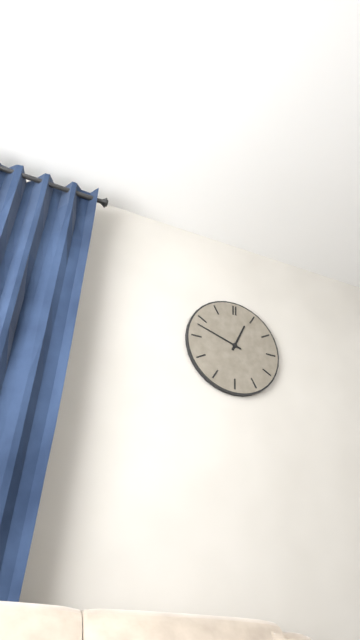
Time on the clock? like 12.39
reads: 12.48
